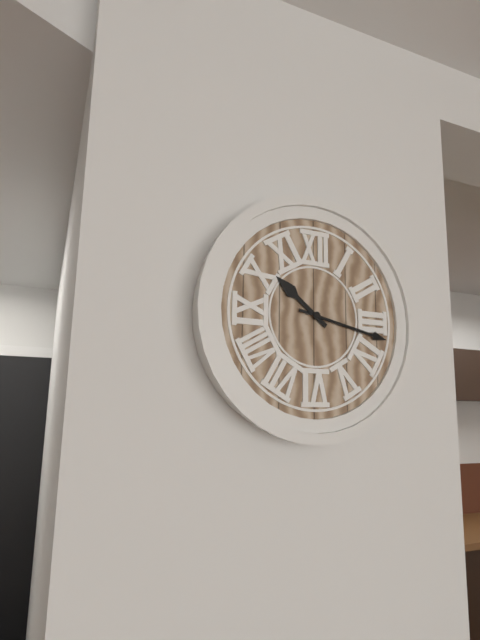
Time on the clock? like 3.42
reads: 10.17
